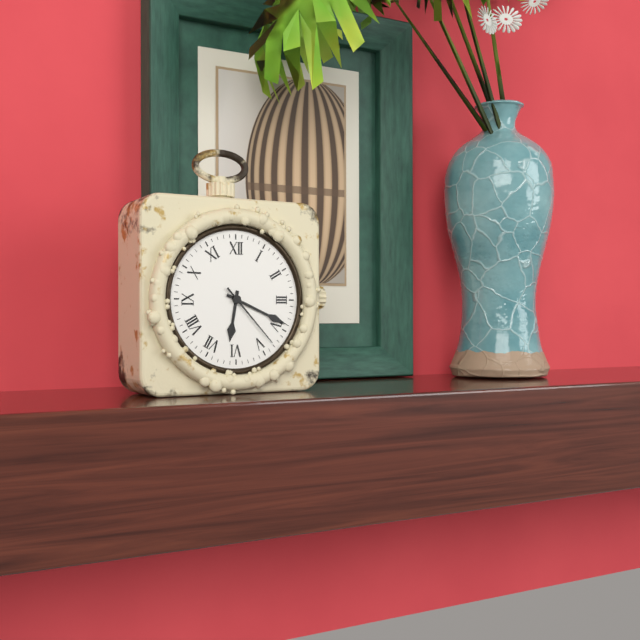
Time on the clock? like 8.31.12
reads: 6.19.23
